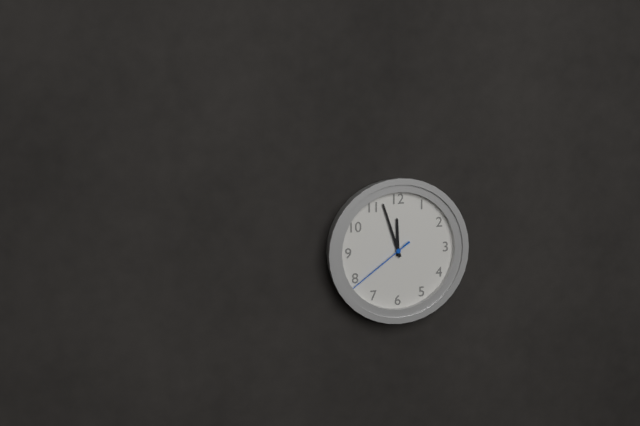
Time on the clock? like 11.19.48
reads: 11.57.39
